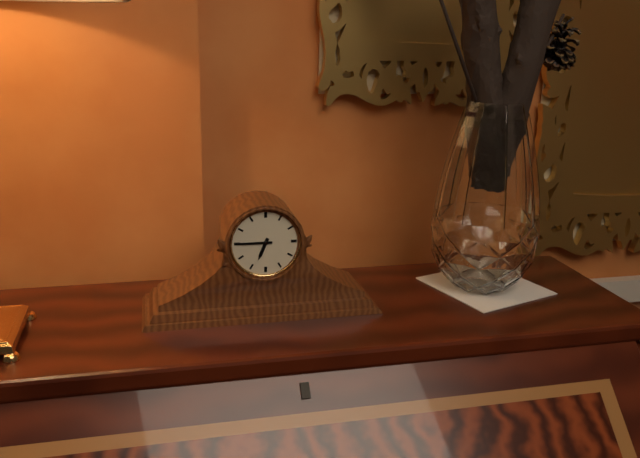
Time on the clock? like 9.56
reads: 6.45
